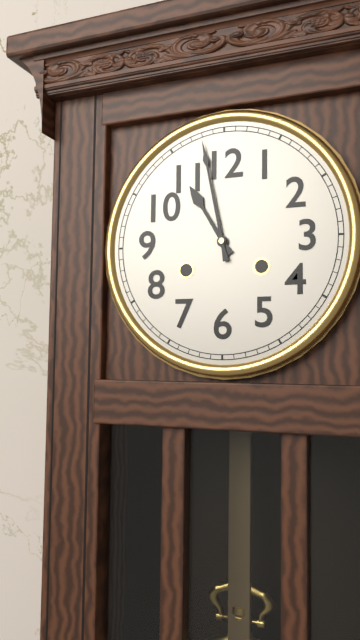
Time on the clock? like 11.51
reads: 10.58
